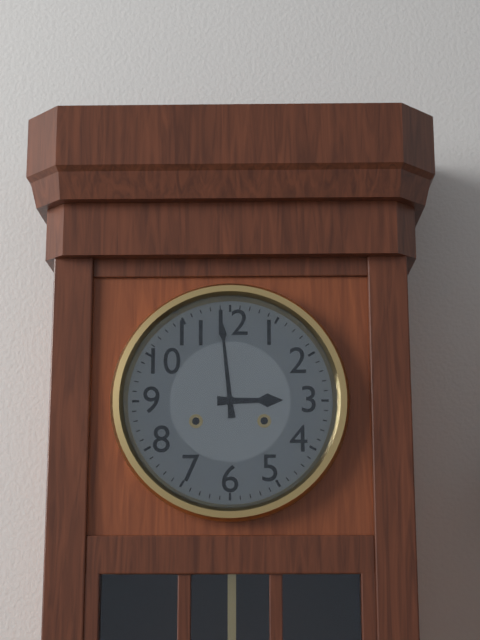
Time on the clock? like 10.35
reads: 2.59
